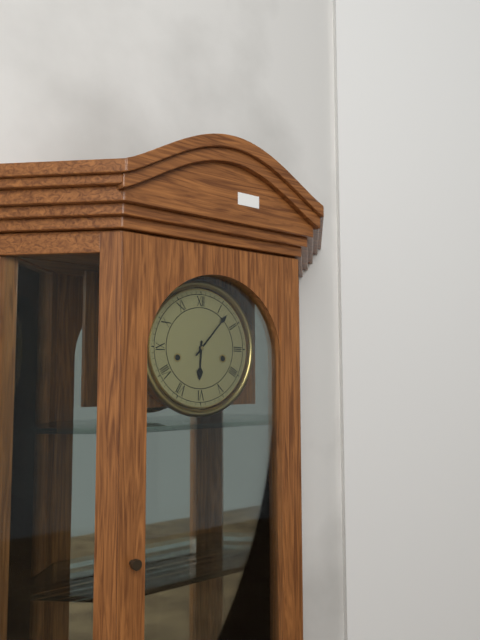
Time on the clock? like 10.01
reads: 6.07
